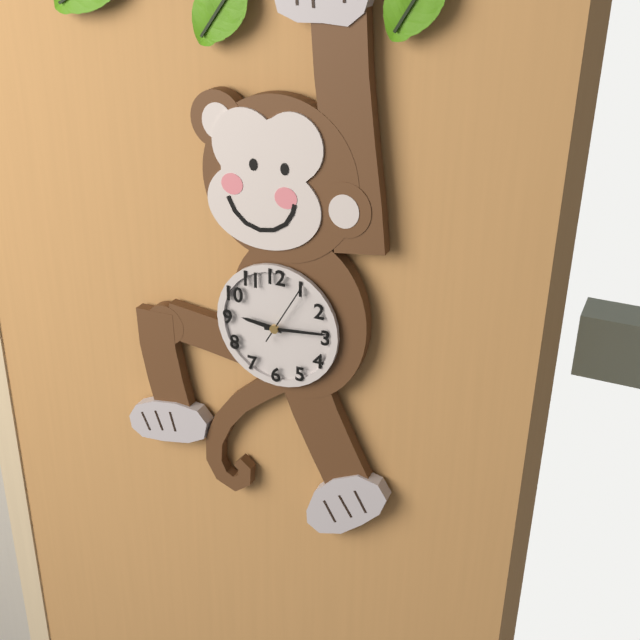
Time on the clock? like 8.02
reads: 9.14
